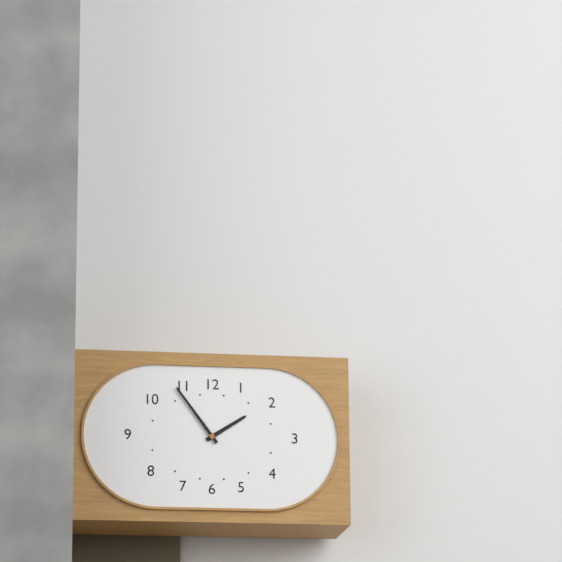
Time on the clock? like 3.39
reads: 1.54
